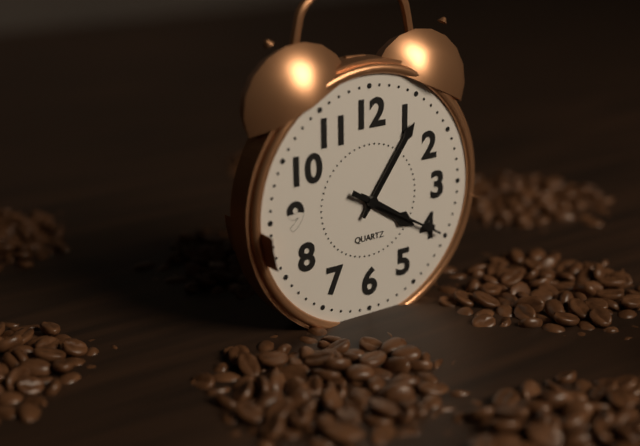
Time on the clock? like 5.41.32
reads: 4.06.20
